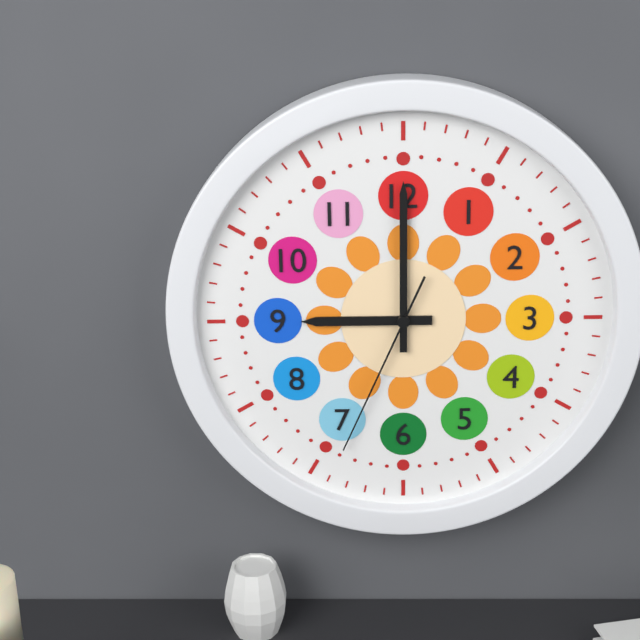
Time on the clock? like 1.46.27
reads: 9.00.34
